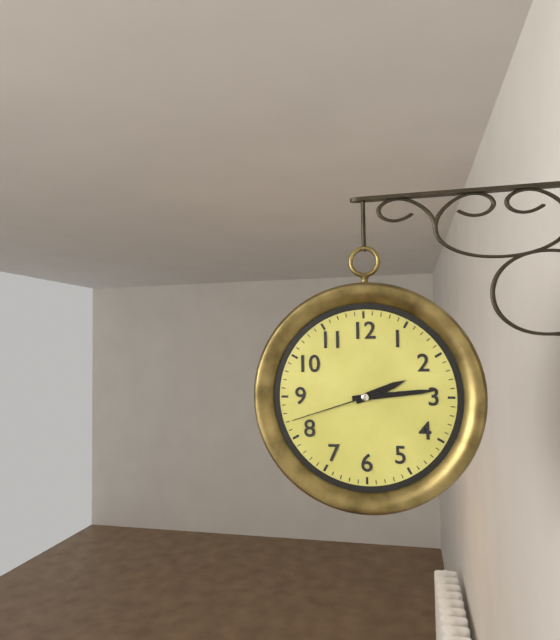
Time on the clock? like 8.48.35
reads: 2.14.42
